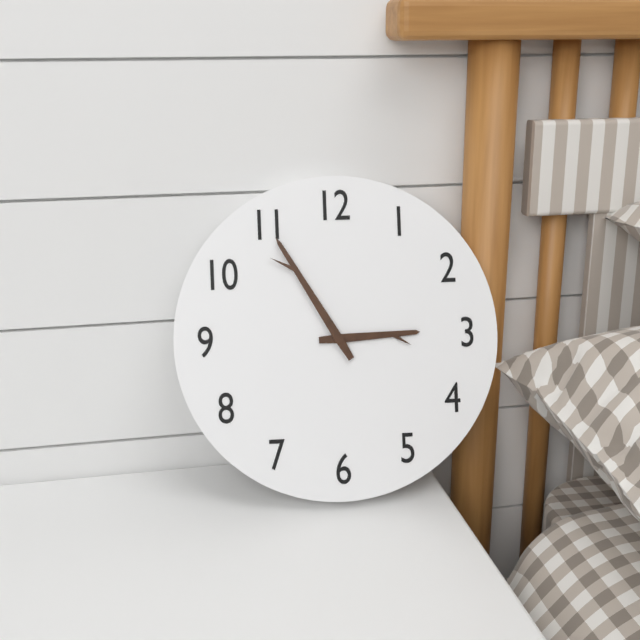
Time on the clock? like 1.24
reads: 2.55
